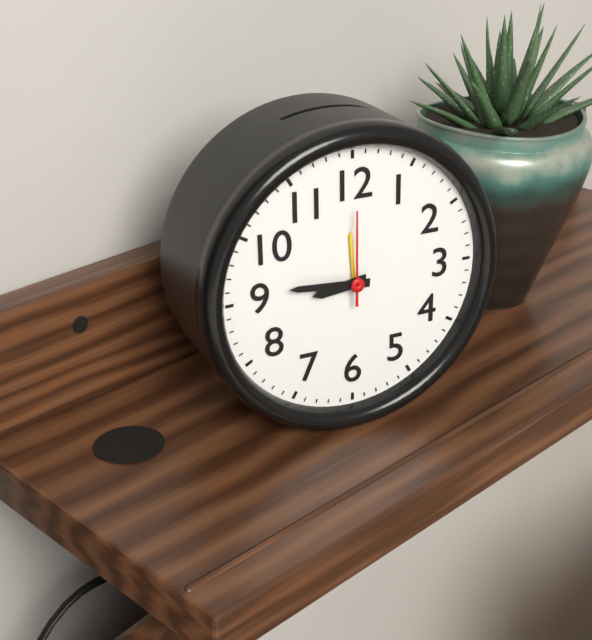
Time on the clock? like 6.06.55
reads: 8.46.00
